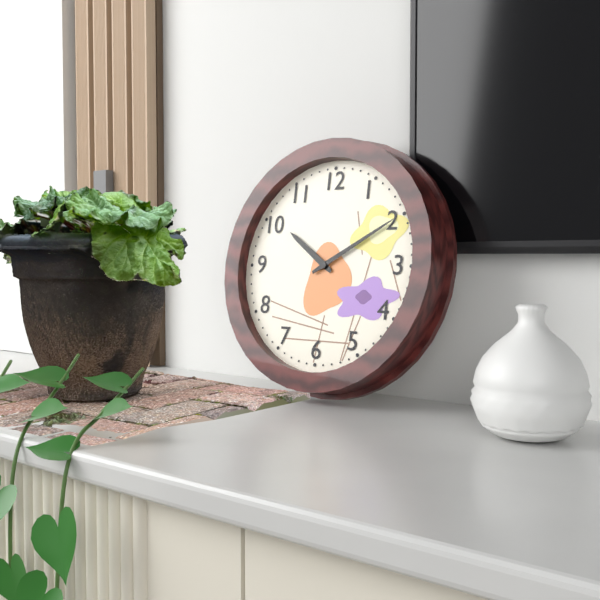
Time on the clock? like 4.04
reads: 10.10
